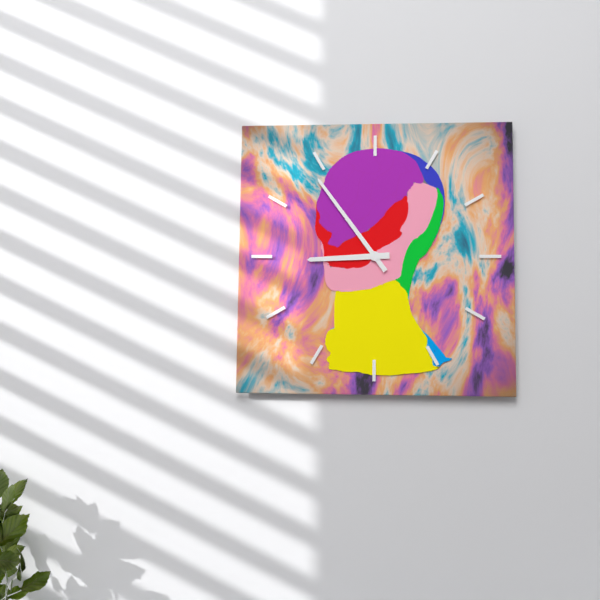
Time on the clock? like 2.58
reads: 8.54
